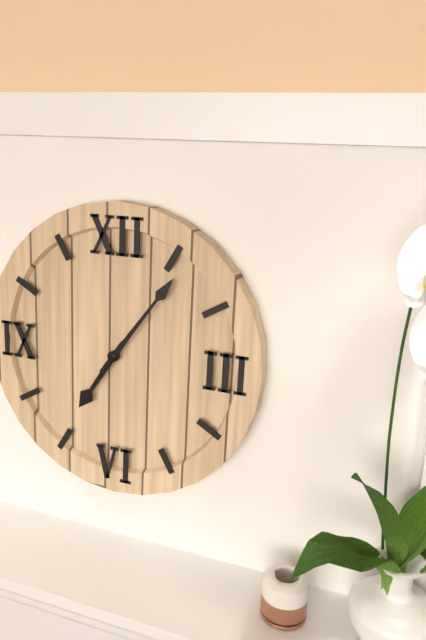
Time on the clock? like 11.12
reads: 7.06
